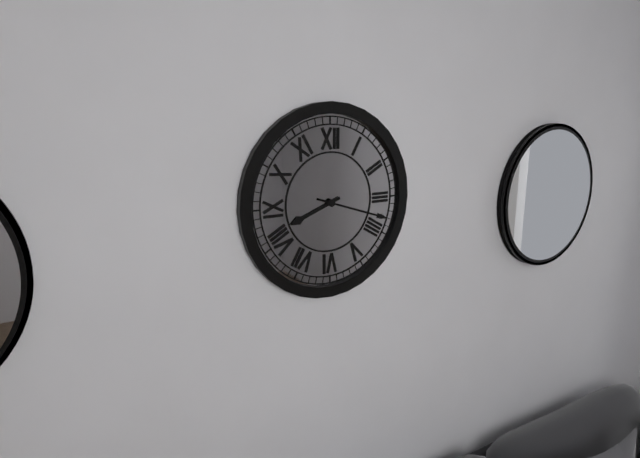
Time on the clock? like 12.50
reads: 8.18
